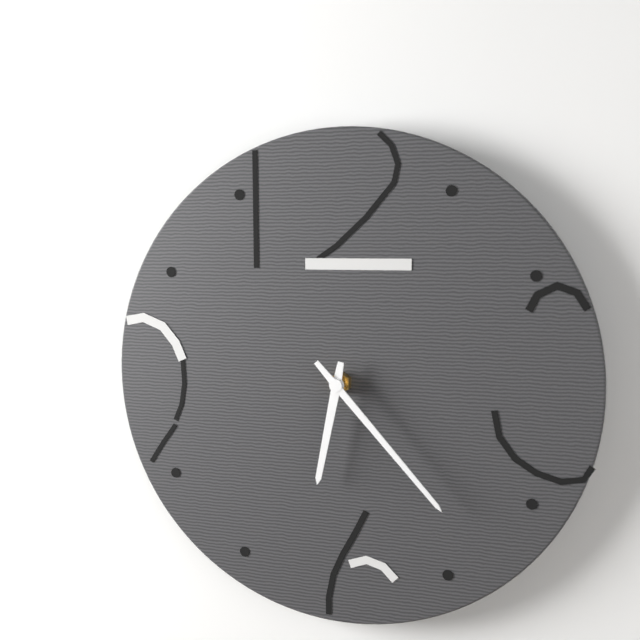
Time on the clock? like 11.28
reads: 6.23
